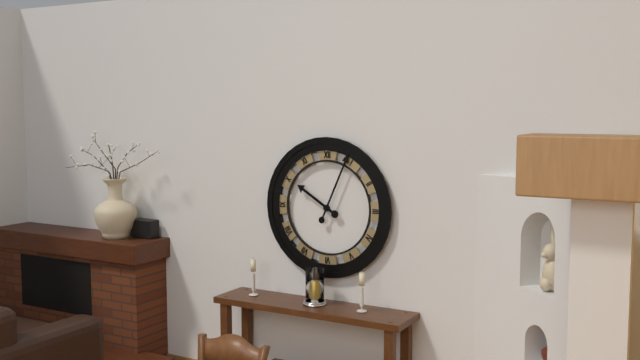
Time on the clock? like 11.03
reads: 10.04
